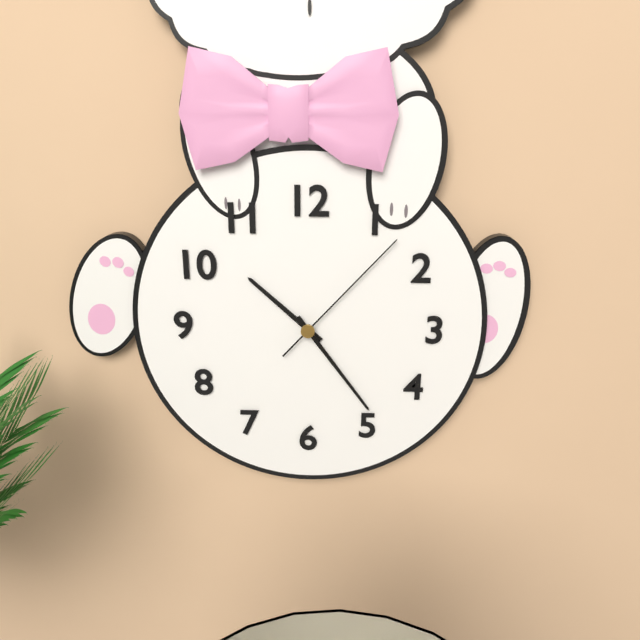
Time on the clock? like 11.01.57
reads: 10.24.07
